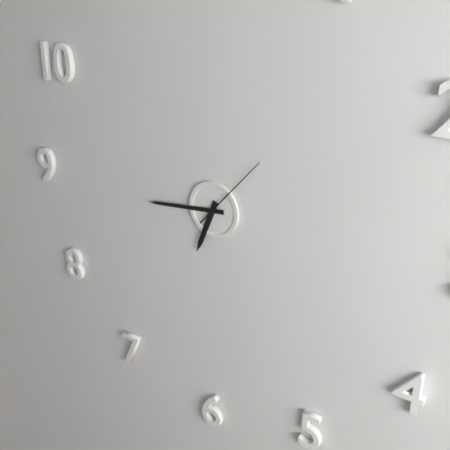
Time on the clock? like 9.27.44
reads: 6.44.07
